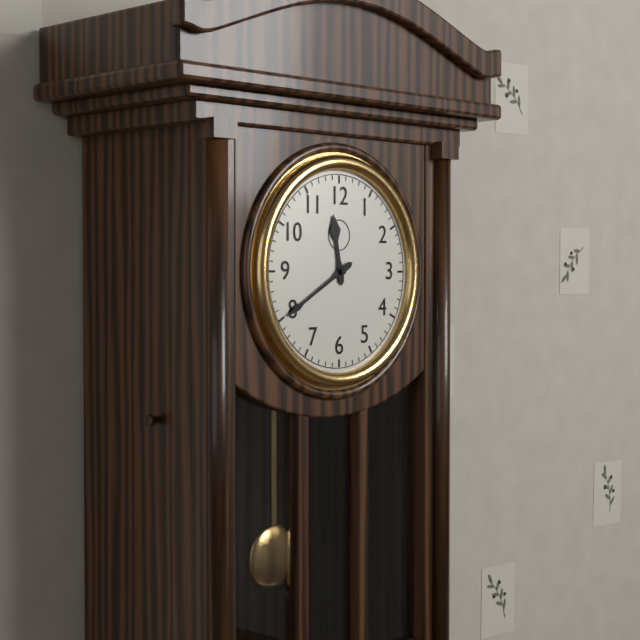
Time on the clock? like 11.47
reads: 11.40
